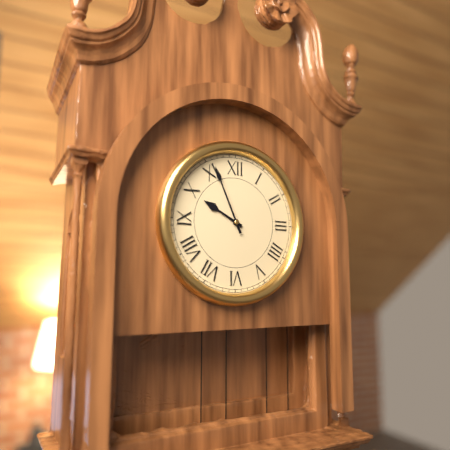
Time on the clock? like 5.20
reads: 9.56
